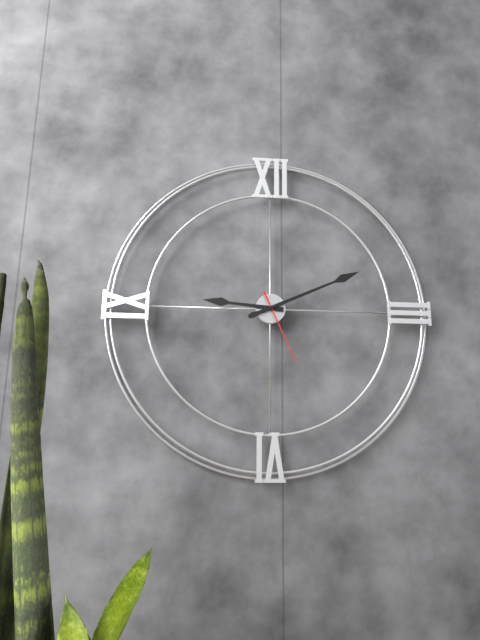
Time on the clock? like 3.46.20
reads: 9.11.26
